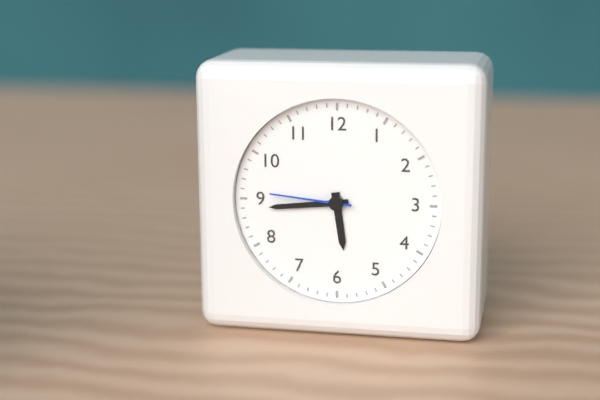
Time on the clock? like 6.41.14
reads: 5.44.46
